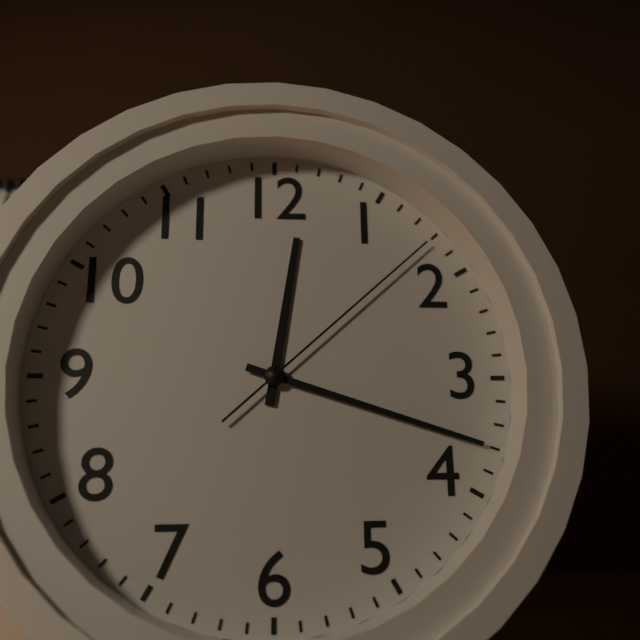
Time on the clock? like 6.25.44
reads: 12.18.08
